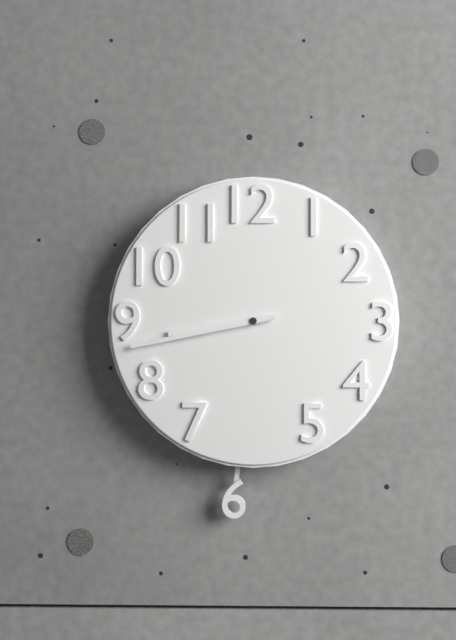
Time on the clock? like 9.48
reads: 8.43
